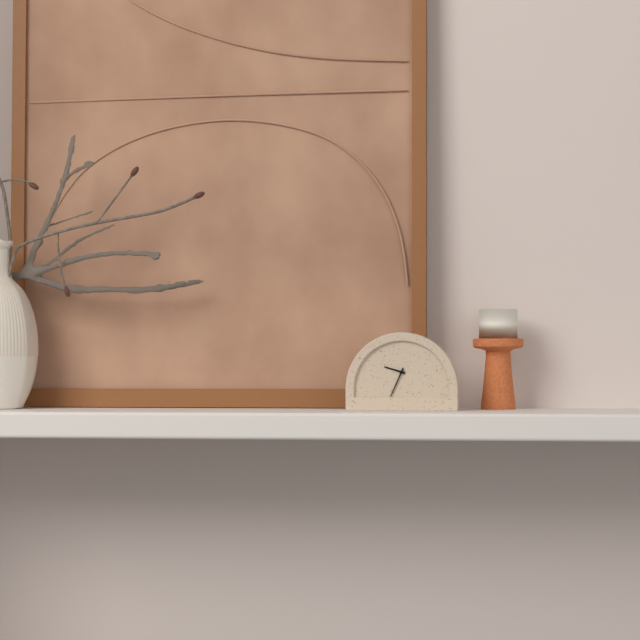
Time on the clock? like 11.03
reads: 9.34
